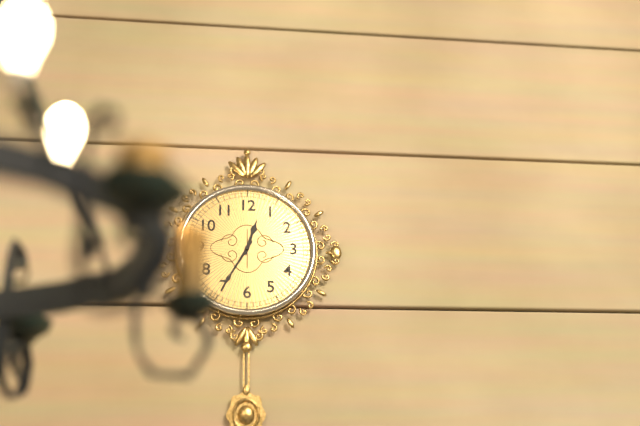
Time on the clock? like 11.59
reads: 12.35
